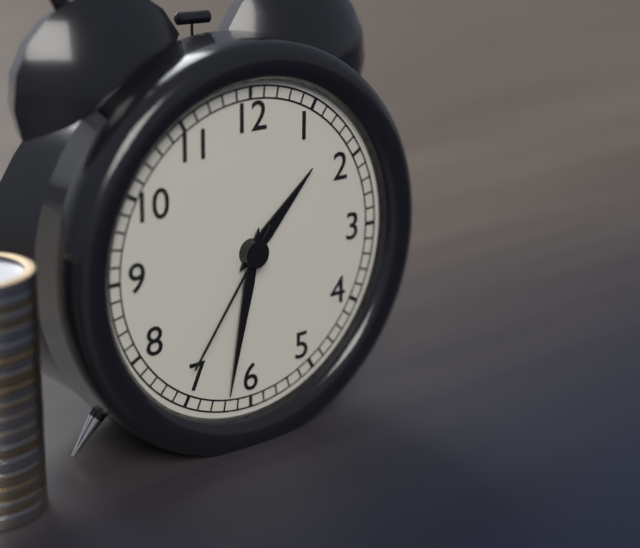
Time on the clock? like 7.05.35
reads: 1.32.36
